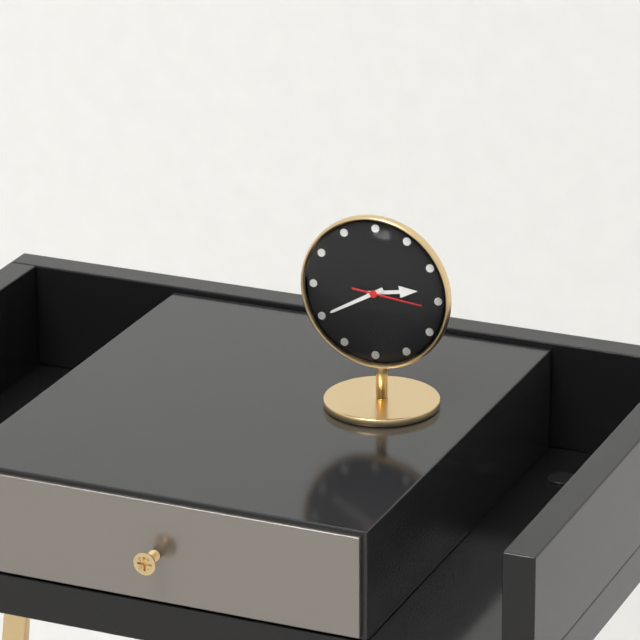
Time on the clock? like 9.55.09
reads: 2.40.16
